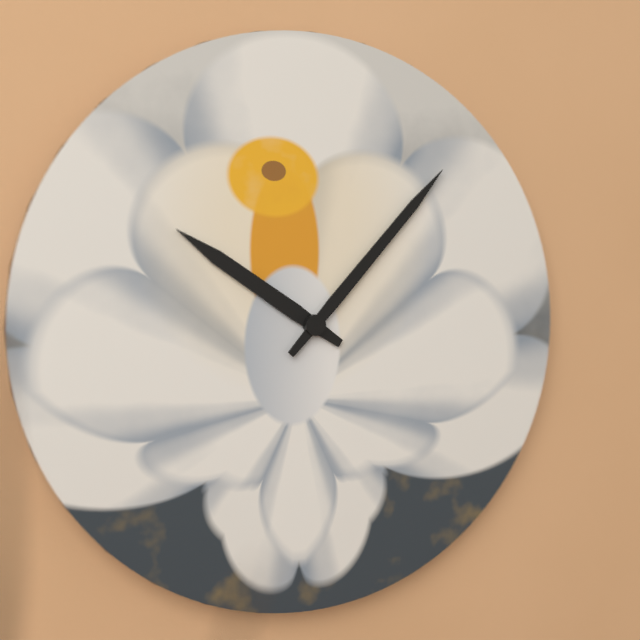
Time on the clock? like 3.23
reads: 10.07
